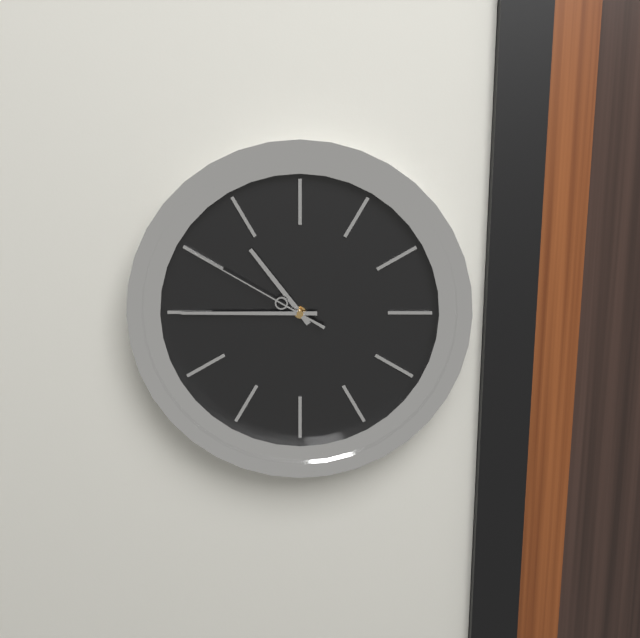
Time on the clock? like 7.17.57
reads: 10.45.50
